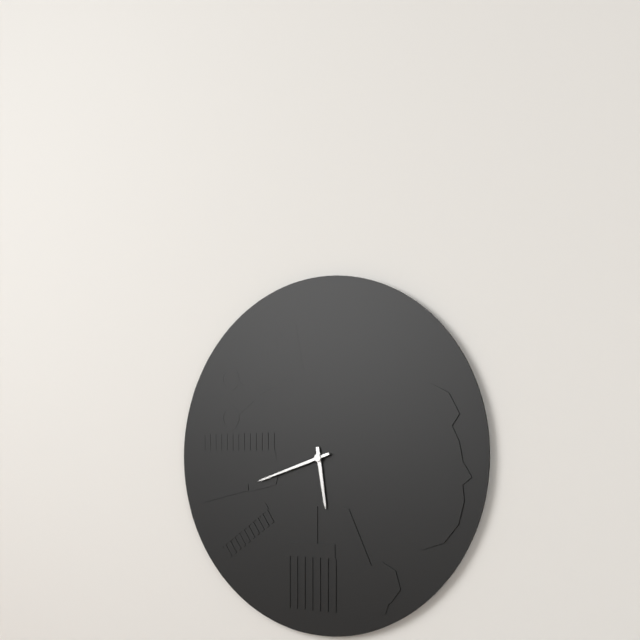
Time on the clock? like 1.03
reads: 5.42
